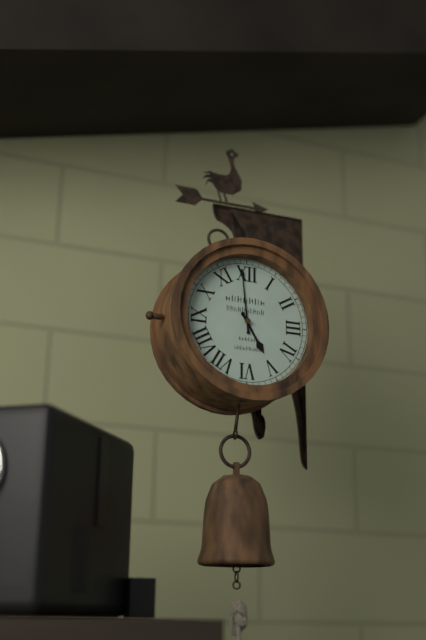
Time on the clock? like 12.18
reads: 4.59
